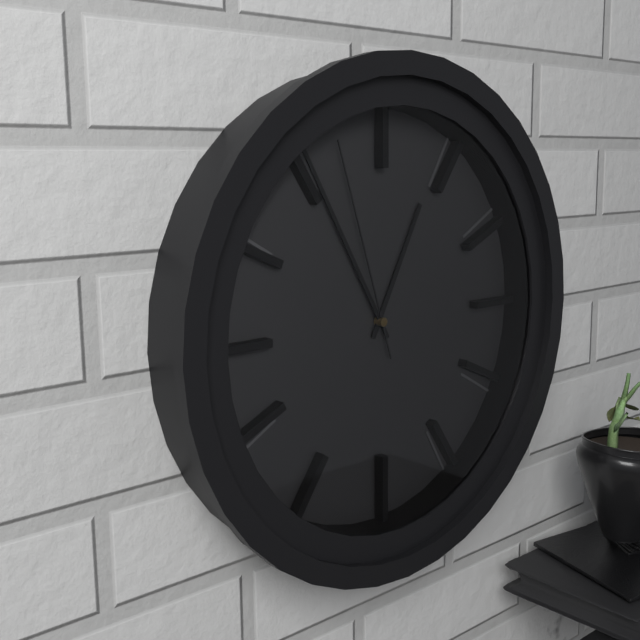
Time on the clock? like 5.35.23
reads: 12.55.57
